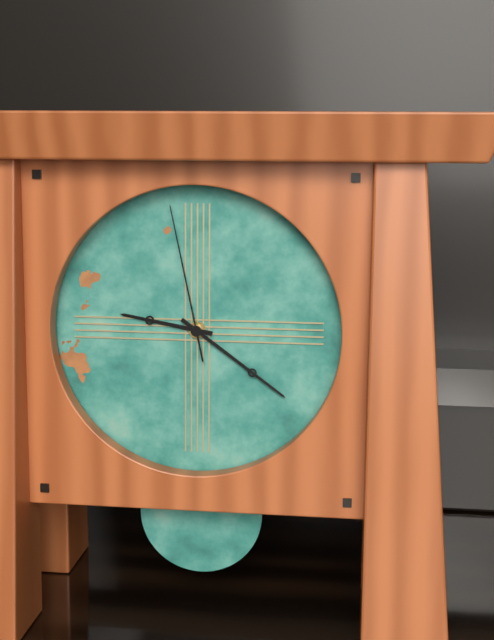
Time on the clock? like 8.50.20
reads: 9.21.58
